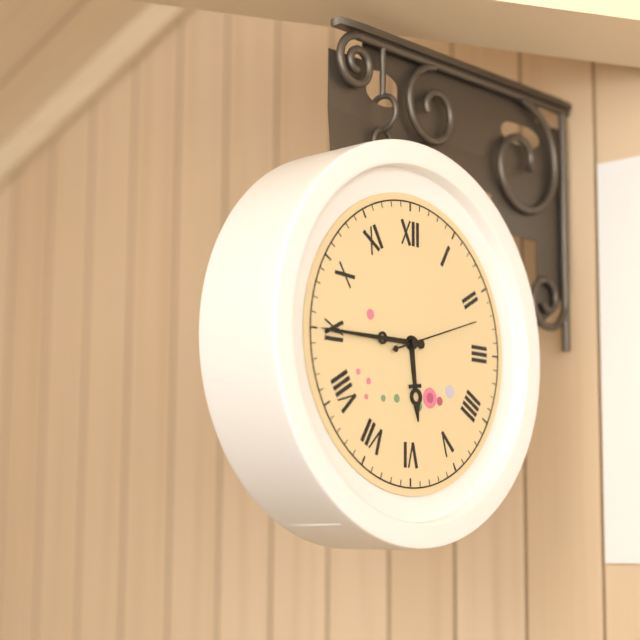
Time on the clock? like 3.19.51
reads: 5.45.12
